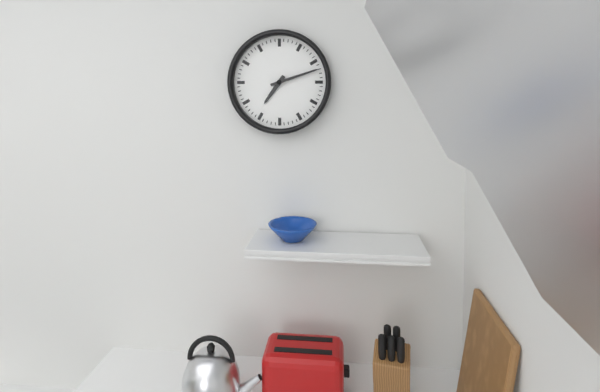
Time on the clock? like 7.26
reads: 7.12
